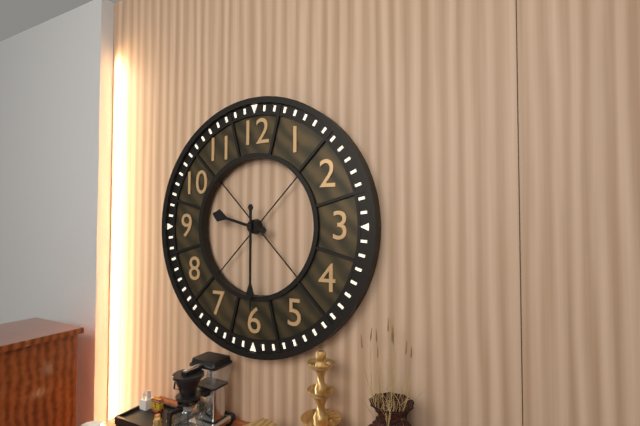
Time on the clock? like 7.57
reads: 9.30
